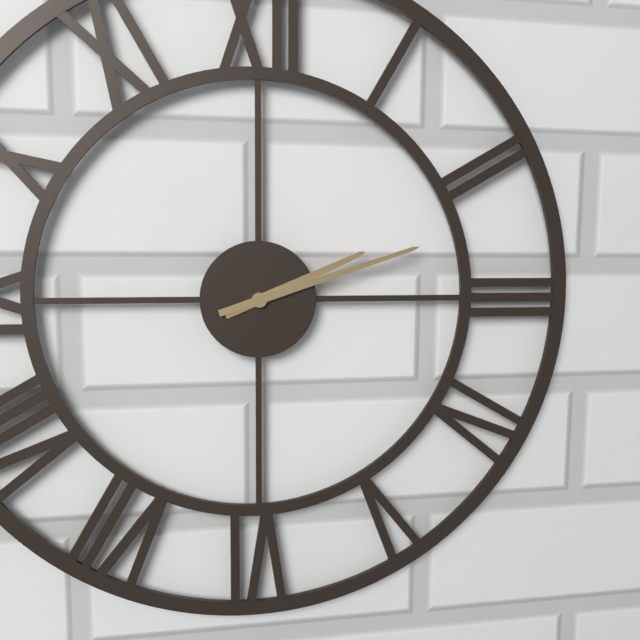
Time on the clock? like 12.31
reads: 2.12
